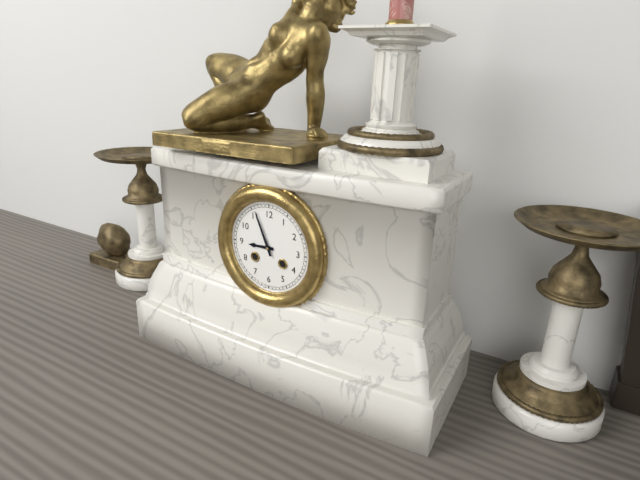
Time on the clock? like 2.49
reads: 8.56
